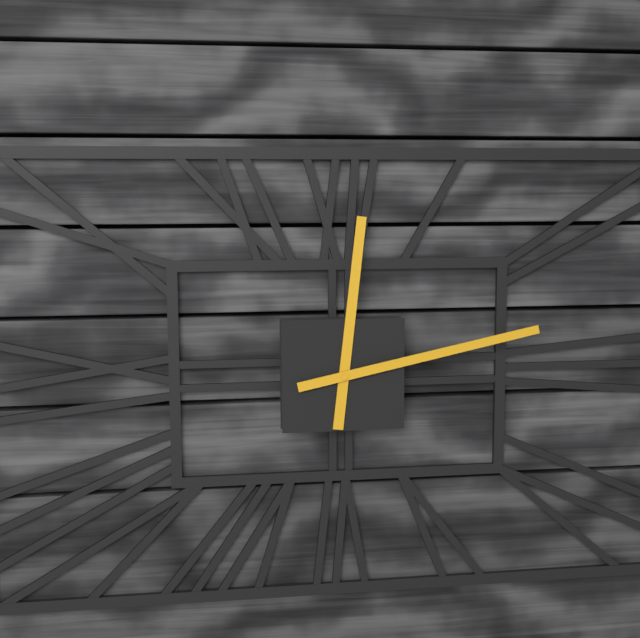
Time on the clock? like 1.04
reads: 12.13
